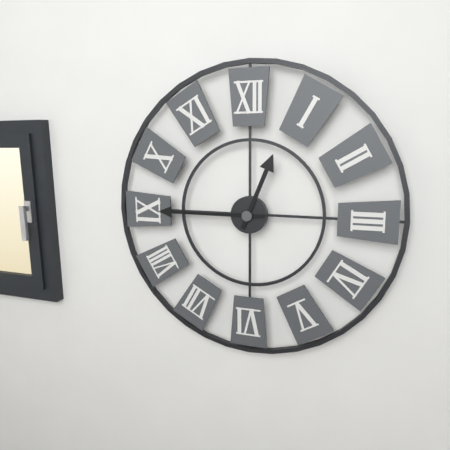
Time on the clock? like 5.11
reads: 12.45
